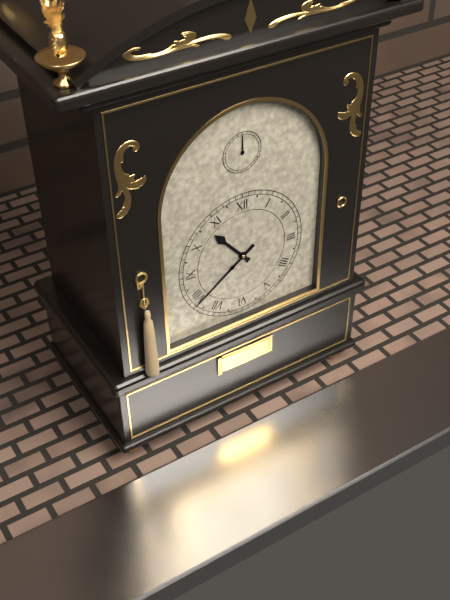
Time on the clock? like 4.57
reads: 10.39
